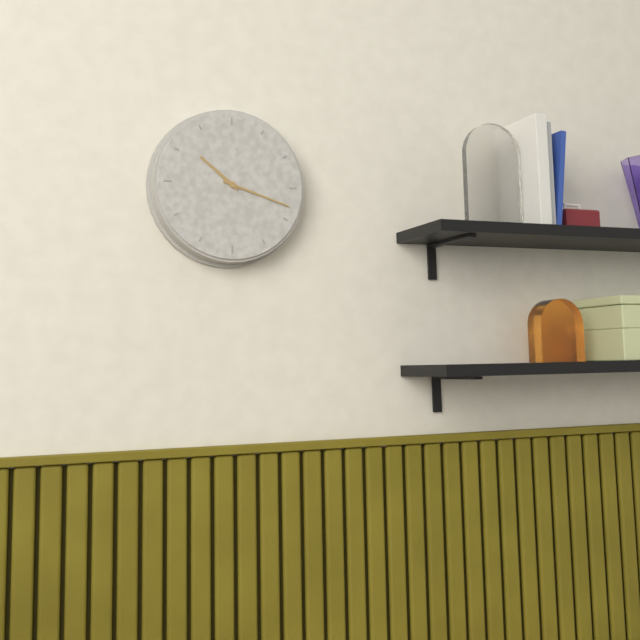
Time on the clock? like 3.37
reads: 10.18
